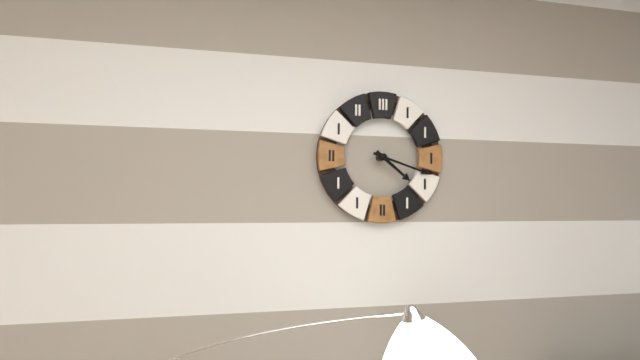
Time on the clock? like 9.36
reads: 4.18
